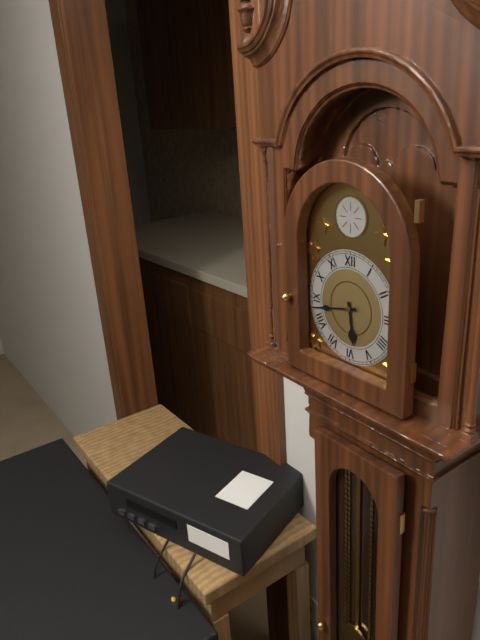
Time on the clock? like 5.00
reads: 5.43
